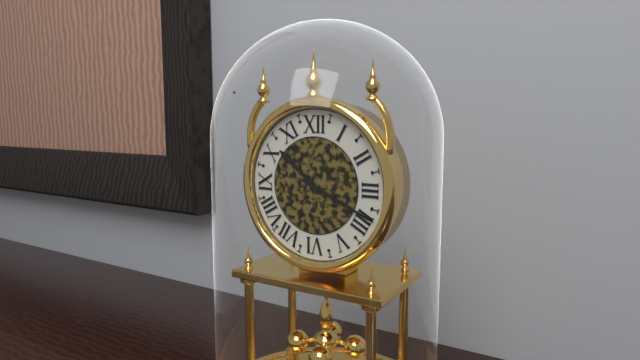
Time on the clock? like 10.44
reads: 10.19
